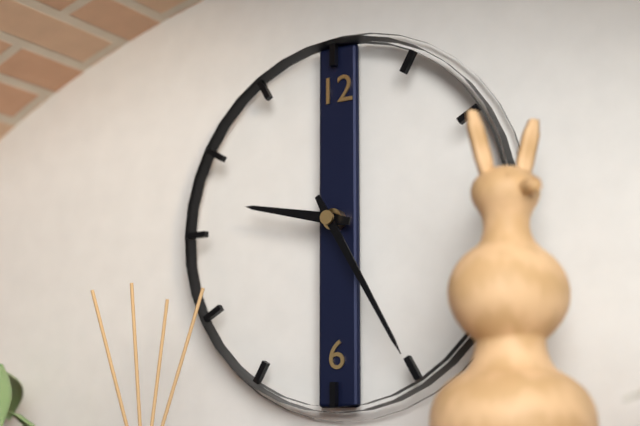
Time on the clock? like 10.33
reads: 9.25
